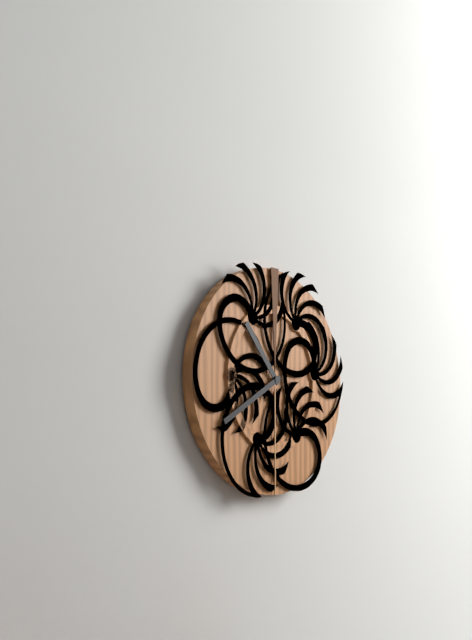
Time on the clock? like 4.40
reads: 10.40
